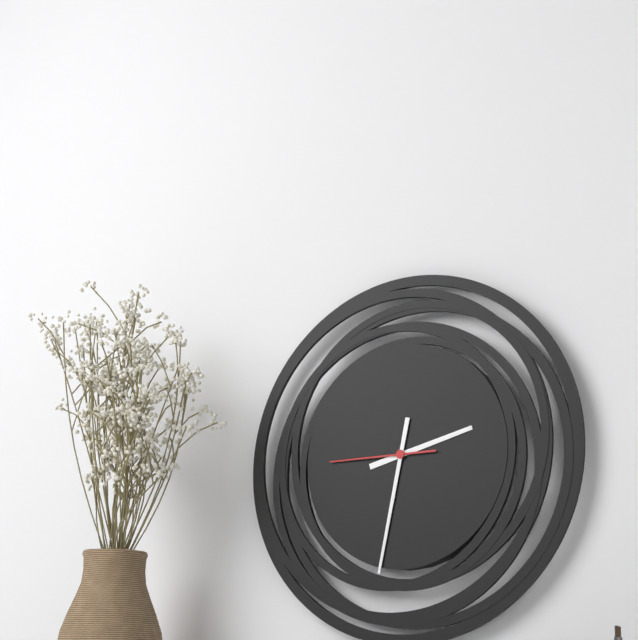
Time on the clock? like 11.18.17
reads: 2.32.45
